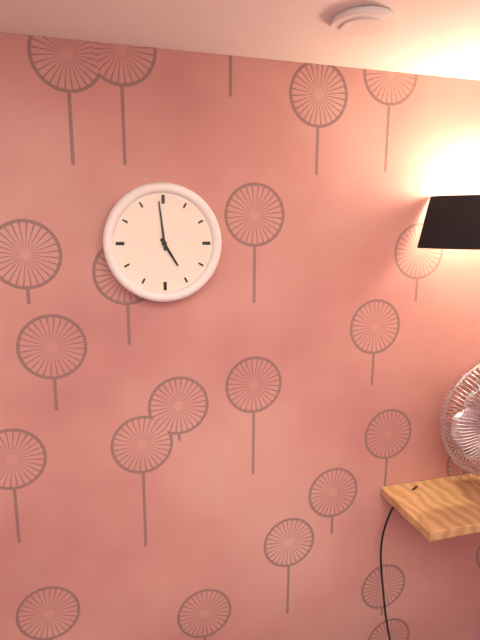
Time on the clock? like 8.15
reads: 4.59
